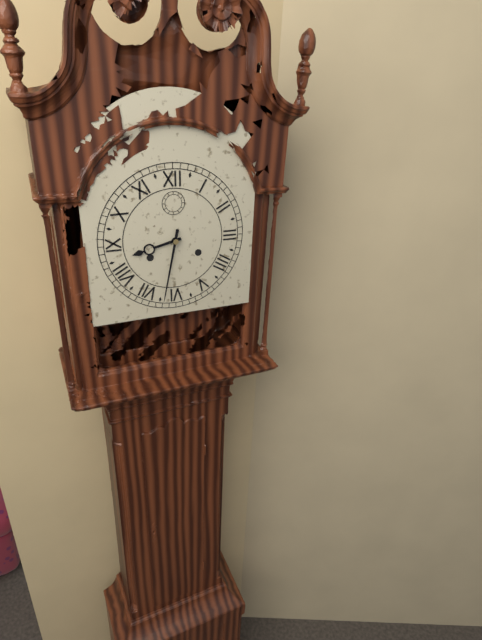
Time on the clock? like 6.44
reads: 8.32
